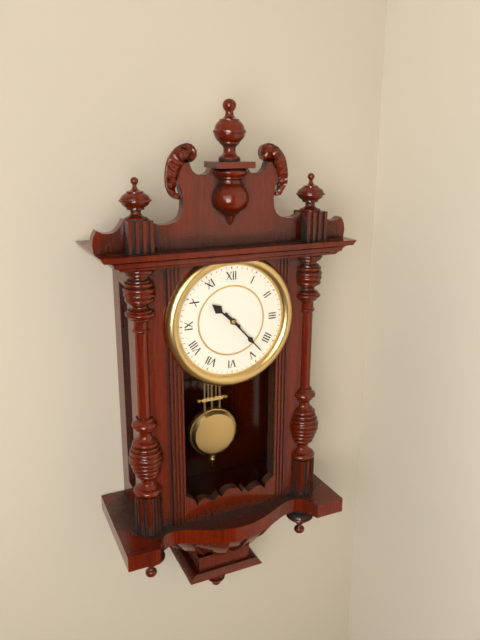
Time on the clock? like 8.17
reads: 10.23
